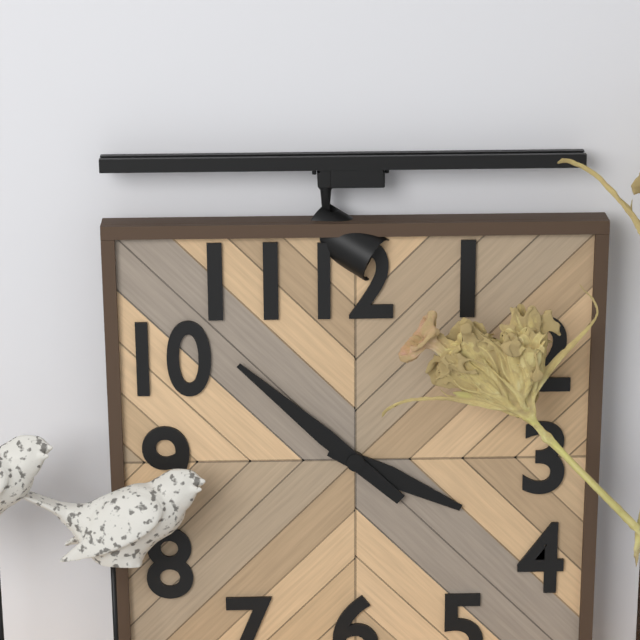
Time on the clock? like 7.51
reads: 3.52
